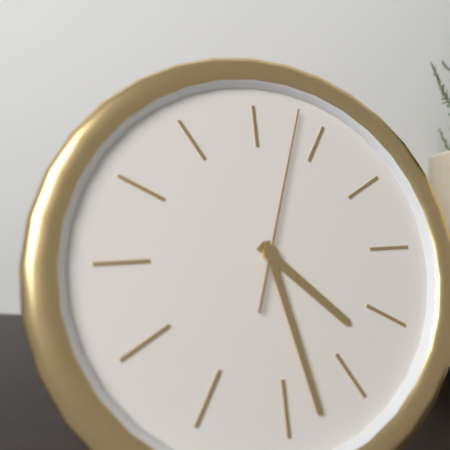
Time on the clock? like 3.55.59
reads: 4.28.03
